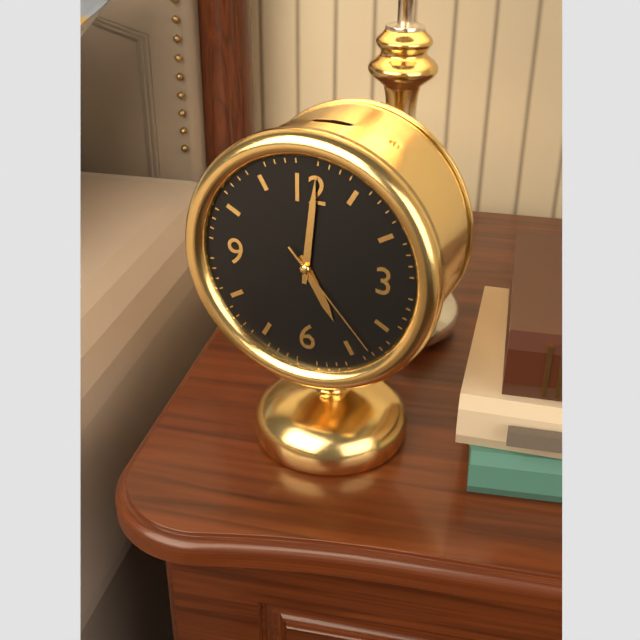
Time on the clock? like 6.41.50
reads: 5.01.23
